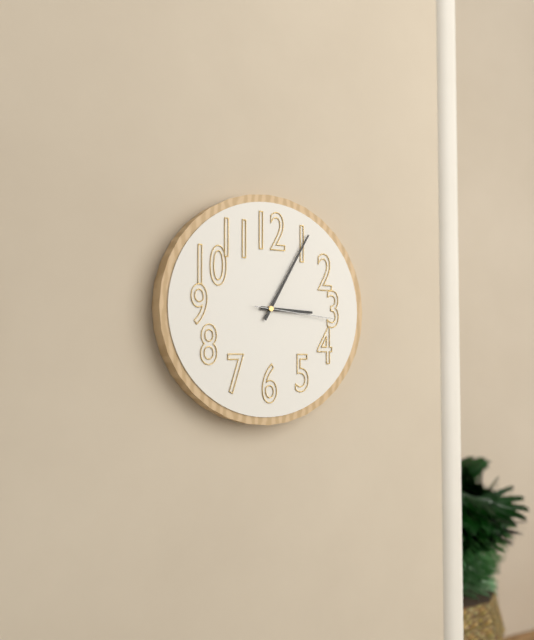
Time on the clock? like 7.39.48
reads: 3.05.16
